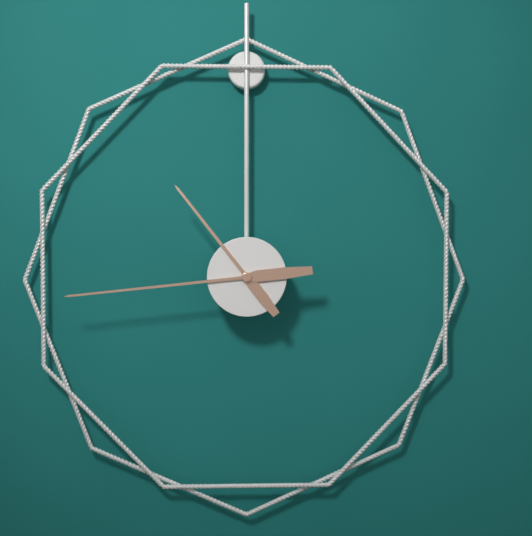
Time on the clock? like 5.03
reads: 10.44
